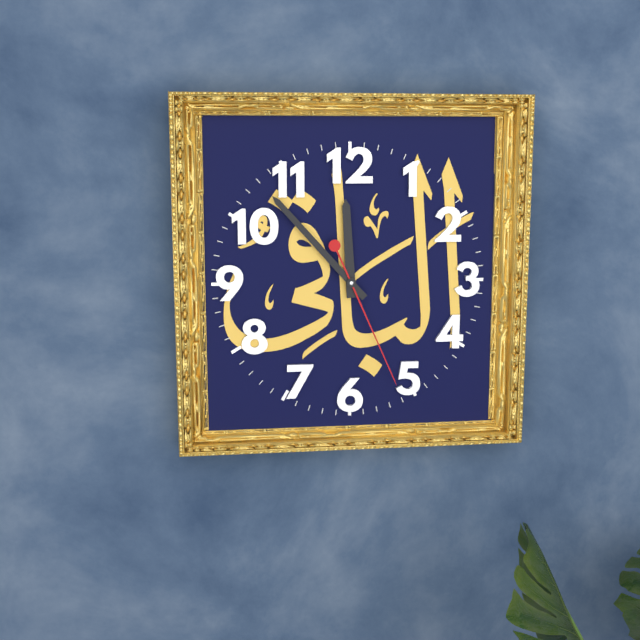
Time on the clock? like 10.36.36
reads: 11.53.26
